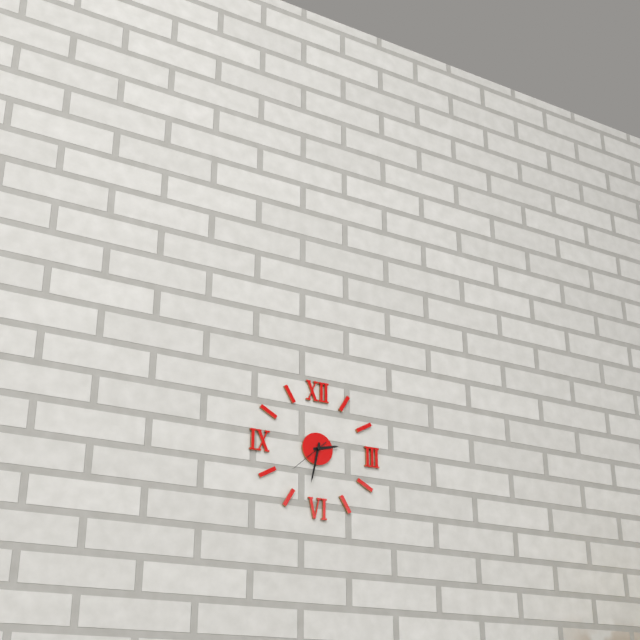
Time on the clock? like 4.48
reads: 2.32
